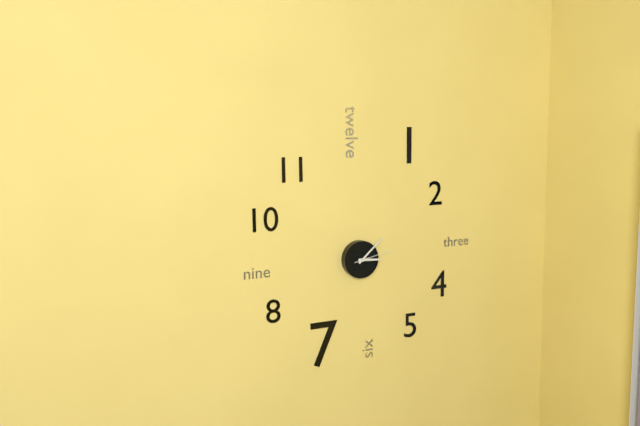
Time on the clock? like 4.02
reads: 3.08
